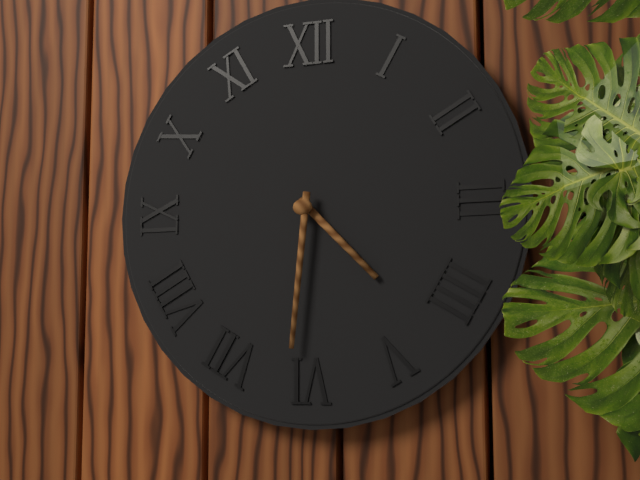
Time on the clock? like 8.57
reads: 4.31
